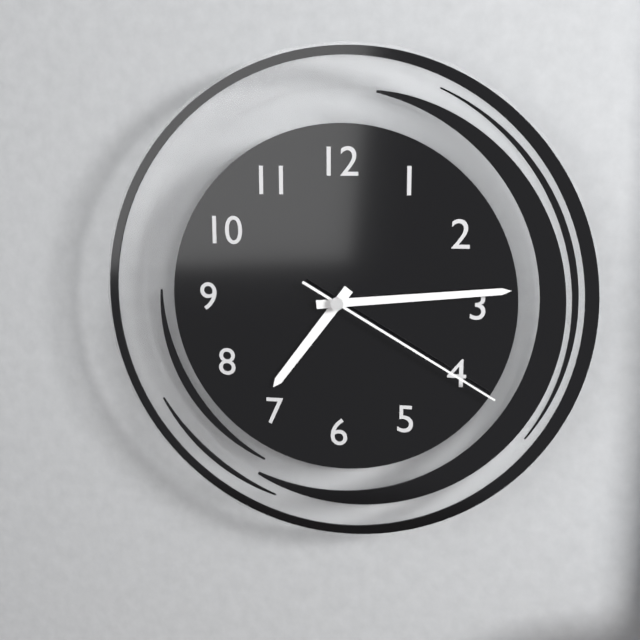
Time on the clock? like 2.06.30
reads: 7.14.20
